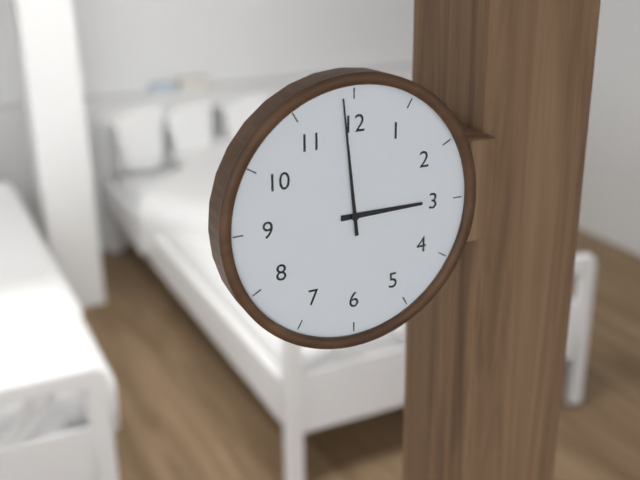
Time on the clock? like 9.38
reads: 2.59
